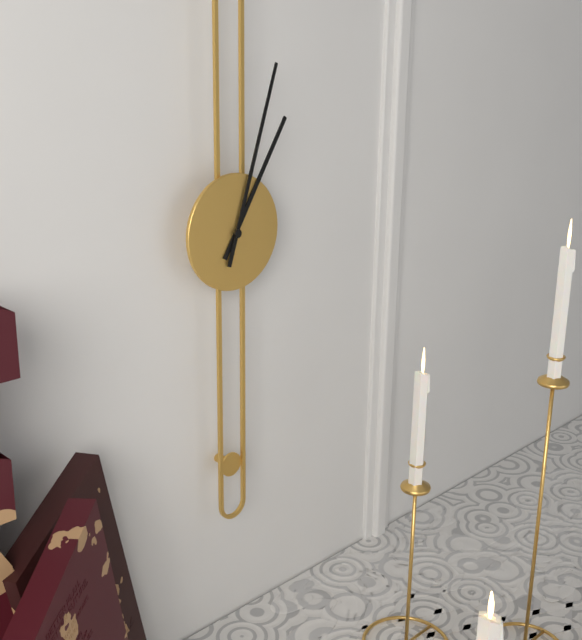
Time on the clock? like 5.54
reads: 1.03
